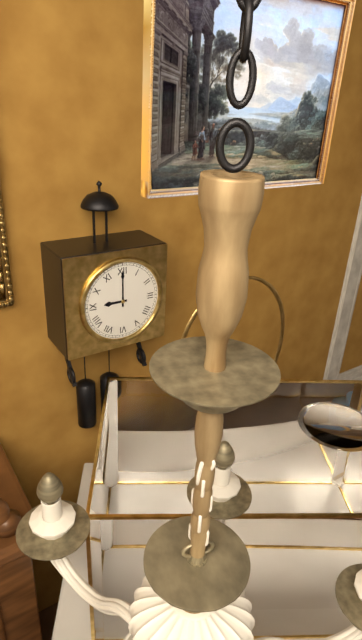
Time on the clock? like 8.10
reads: 9.00
